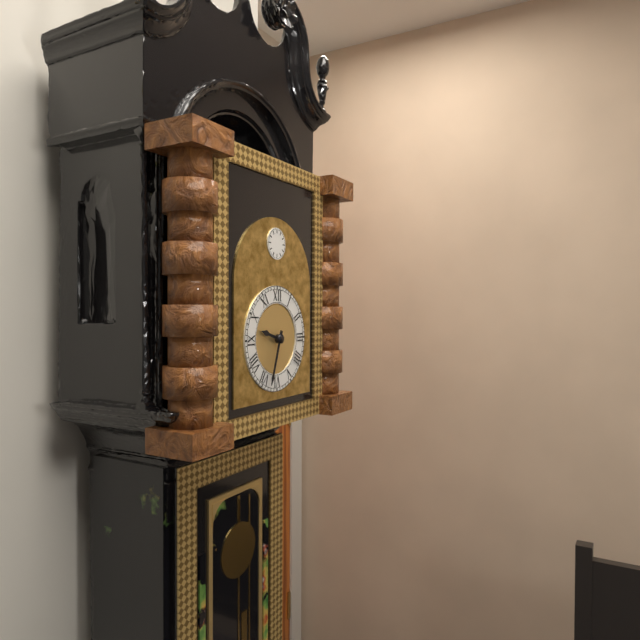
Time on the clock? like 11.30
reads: 9.33
